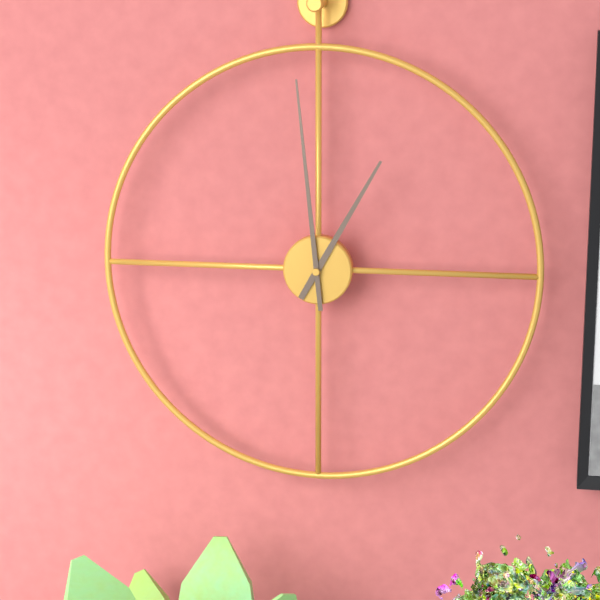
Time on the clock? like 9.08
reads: 12.59
